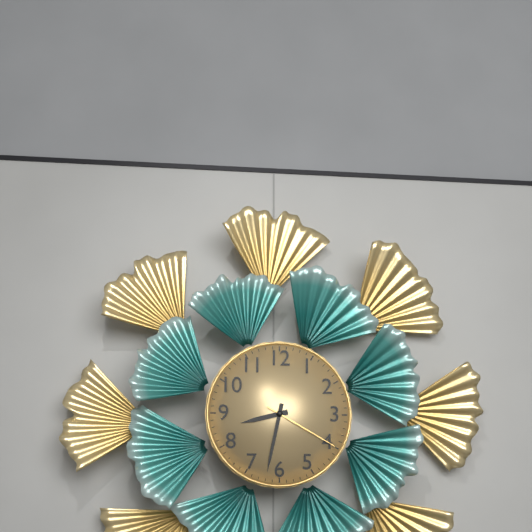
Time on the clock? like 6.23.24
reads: 8.32.20
